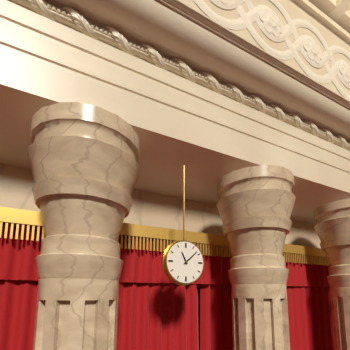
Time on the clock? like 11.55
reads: 11.08
